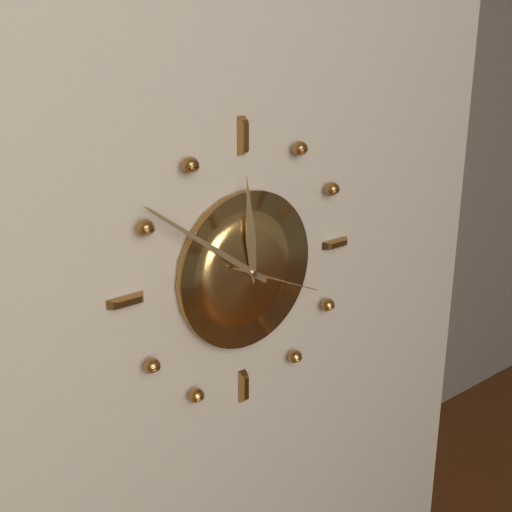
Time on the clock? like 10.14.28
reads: 11.51.19
